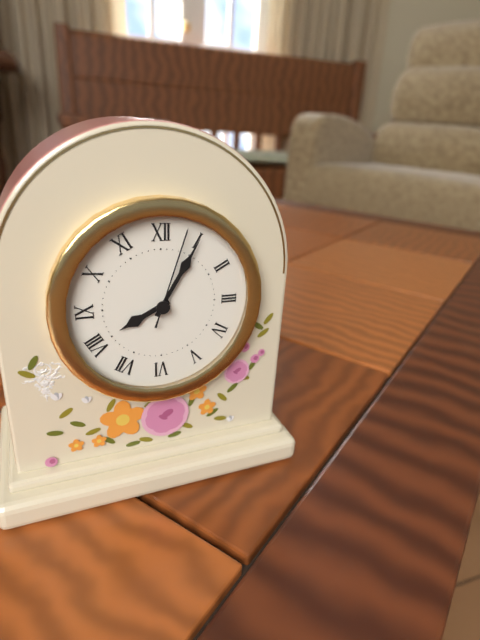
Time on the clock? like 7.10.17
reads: 8.05.03
